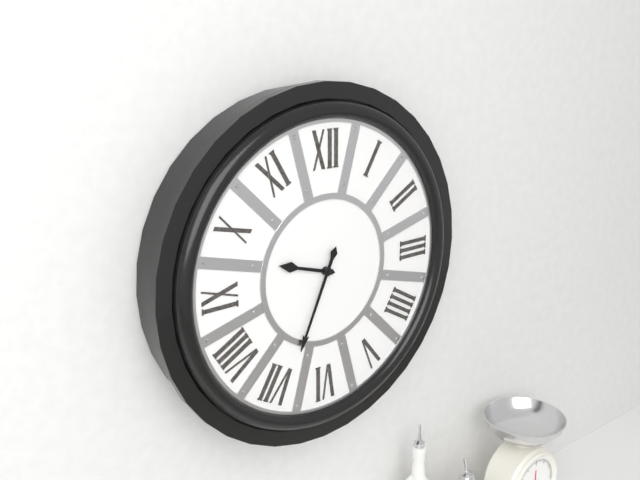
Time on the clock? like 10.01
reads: 9.34
